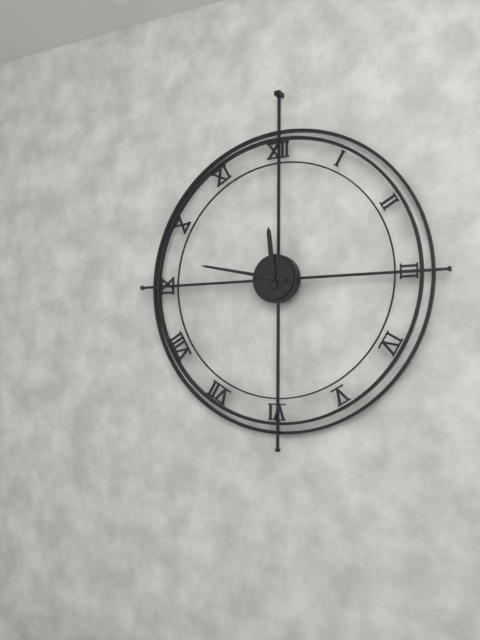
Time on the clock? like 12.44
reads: 11.47
